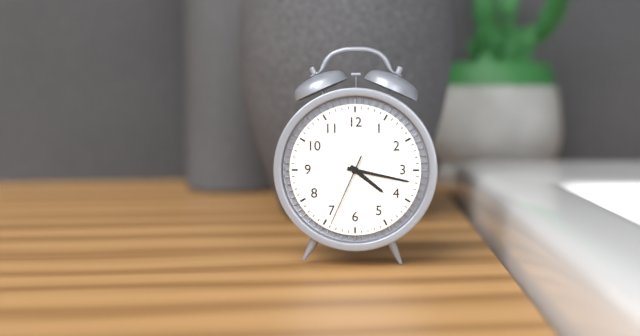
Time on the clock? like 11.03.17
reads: 4.17.34
